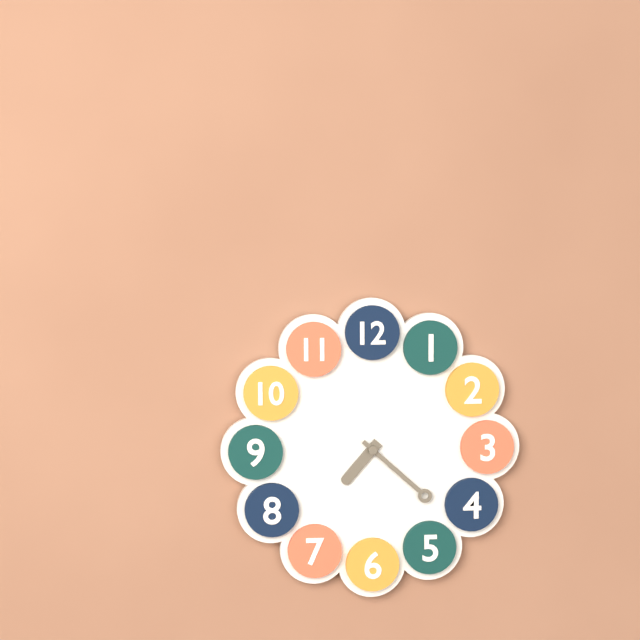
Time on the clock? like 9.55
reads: 7.22
